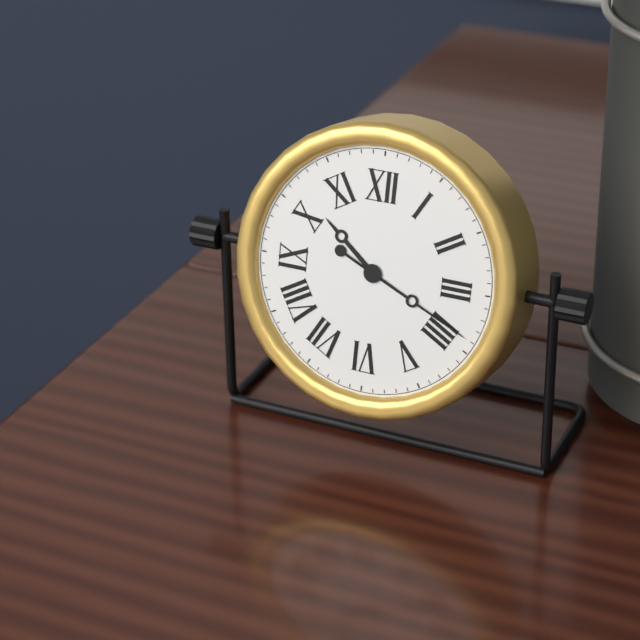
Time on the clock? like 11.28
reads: 10.19
